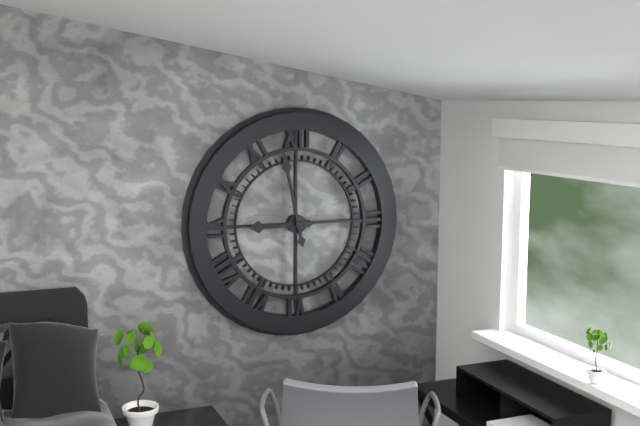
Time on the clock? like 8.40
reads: 8.58
